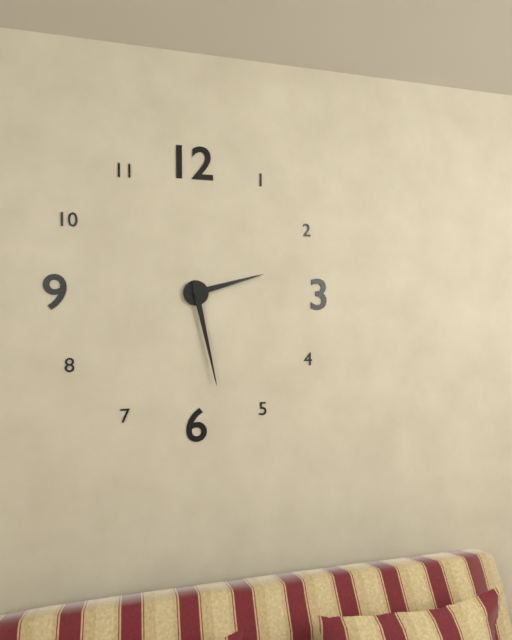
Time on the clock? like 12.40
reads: 2.28
